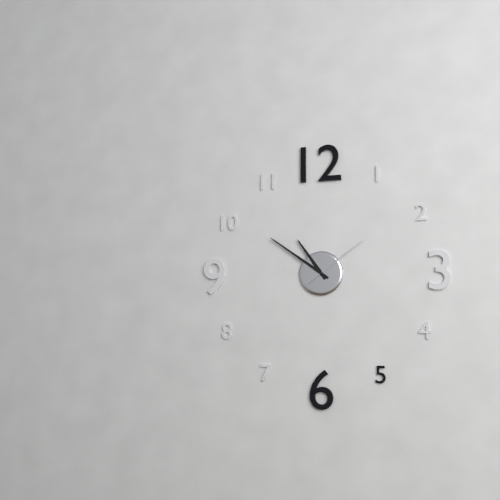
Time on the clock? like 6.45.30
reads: 10.51.09
